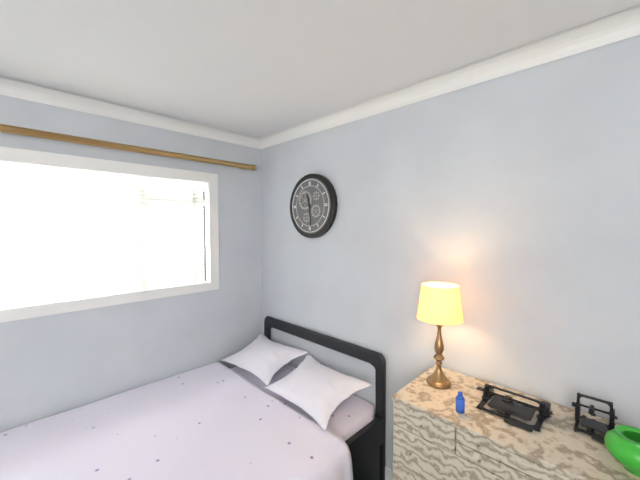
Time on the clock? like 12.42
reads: 11.29
